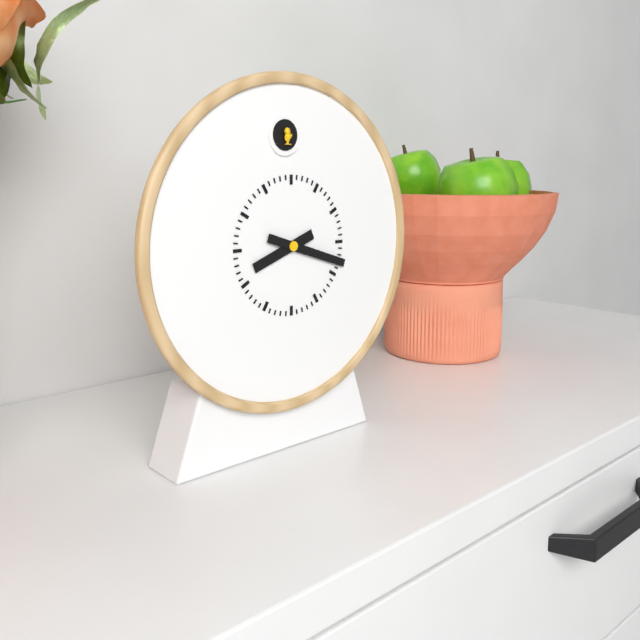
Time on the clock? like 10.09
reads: 8.18
